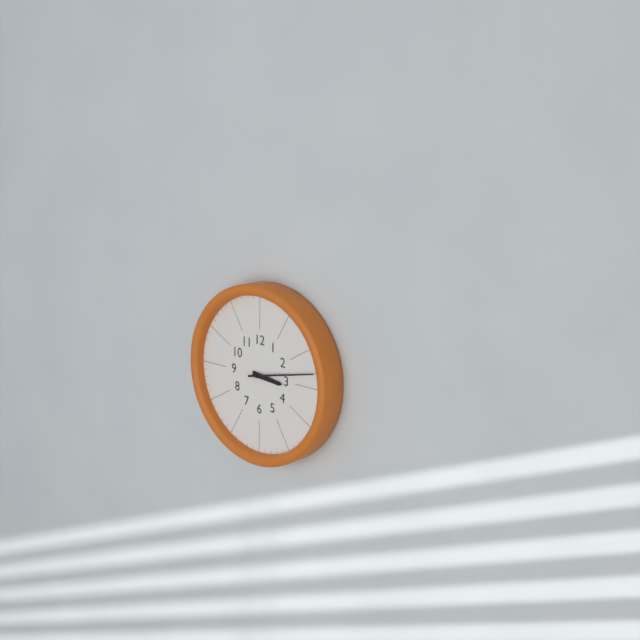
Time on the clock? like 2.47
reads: 3.13
